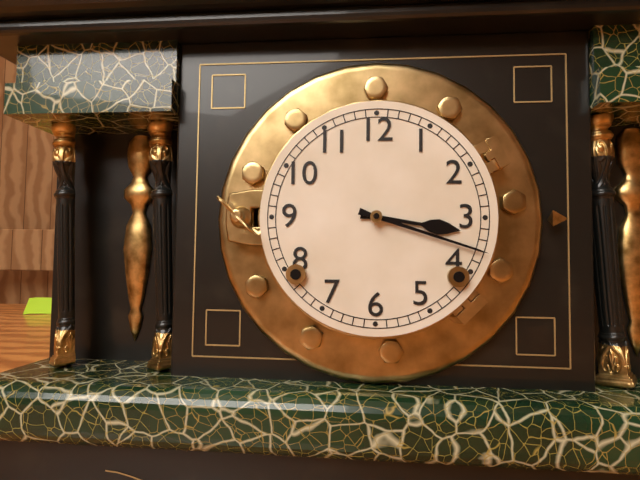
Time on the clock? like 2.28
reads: 3.18
